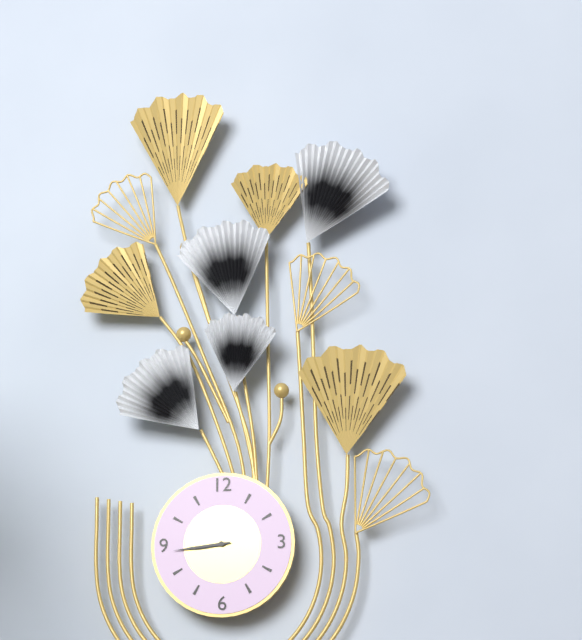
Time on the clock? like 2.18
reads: 8.44
